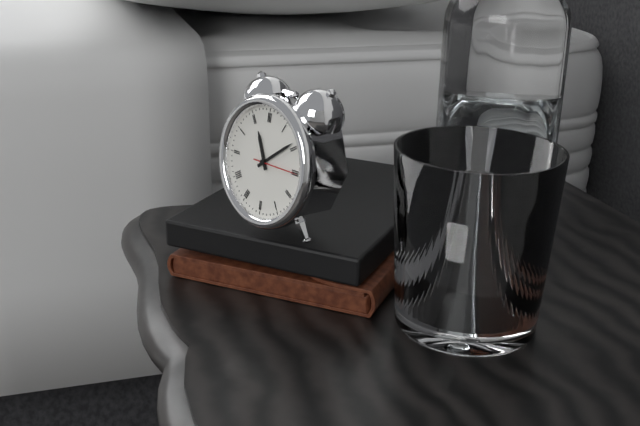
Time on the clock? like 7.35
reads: 11.09
